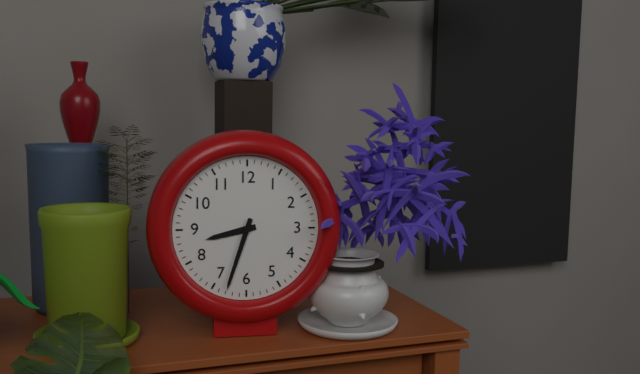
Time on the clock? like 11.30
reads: 8.33
